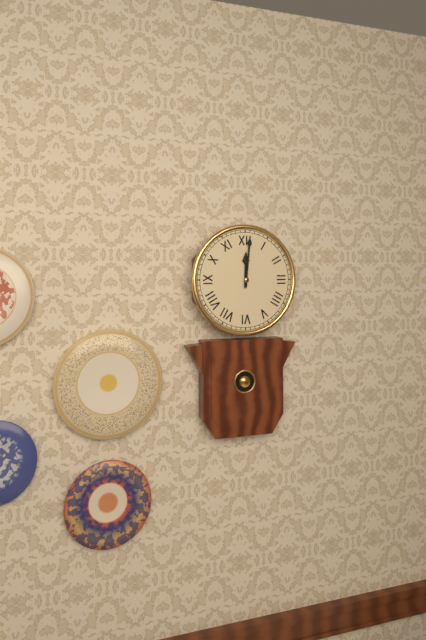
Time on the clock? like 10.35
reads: 12.01
